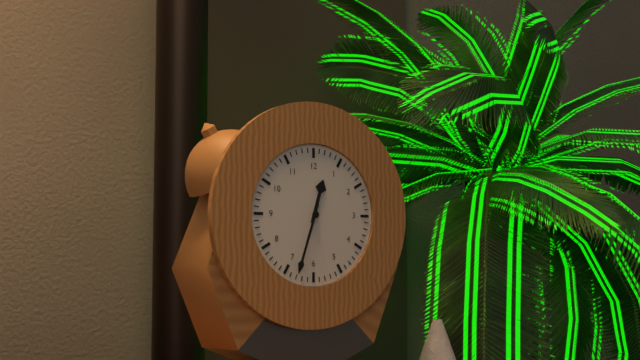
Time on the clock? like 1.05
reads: 12.33
